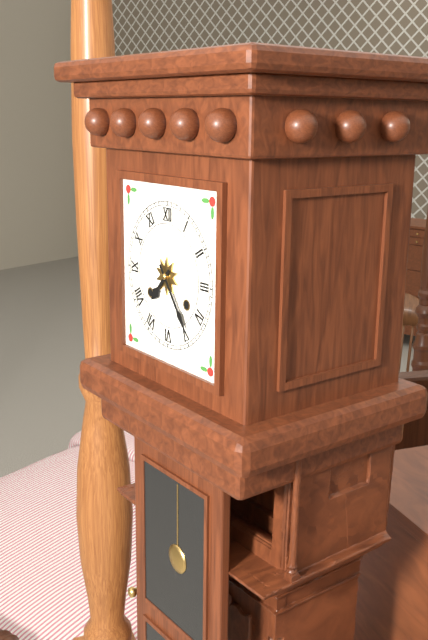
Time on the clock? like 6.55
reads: 7.24
